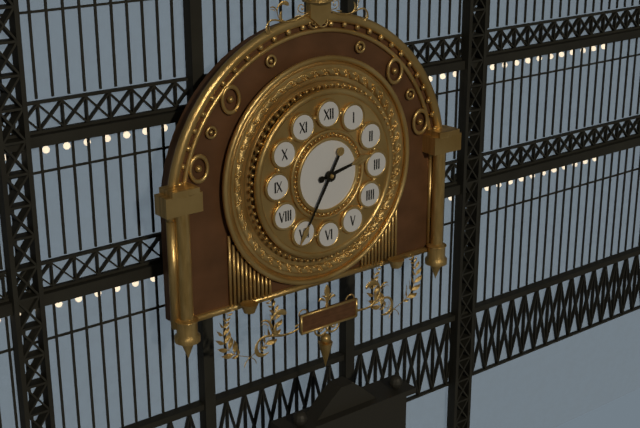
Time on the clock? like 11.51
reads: 2.35
